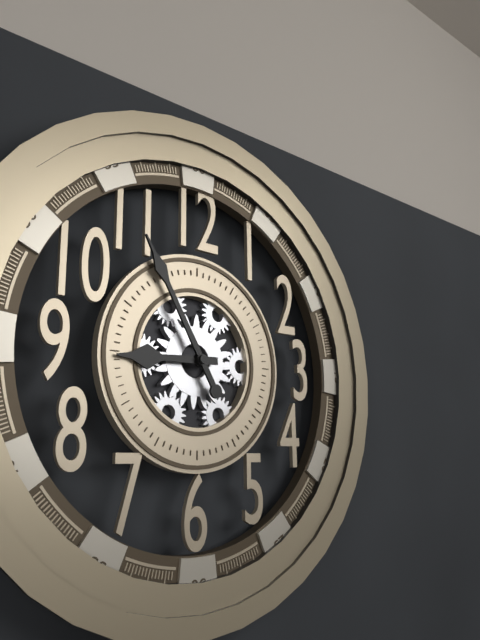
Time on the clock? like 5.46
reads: 8.55
